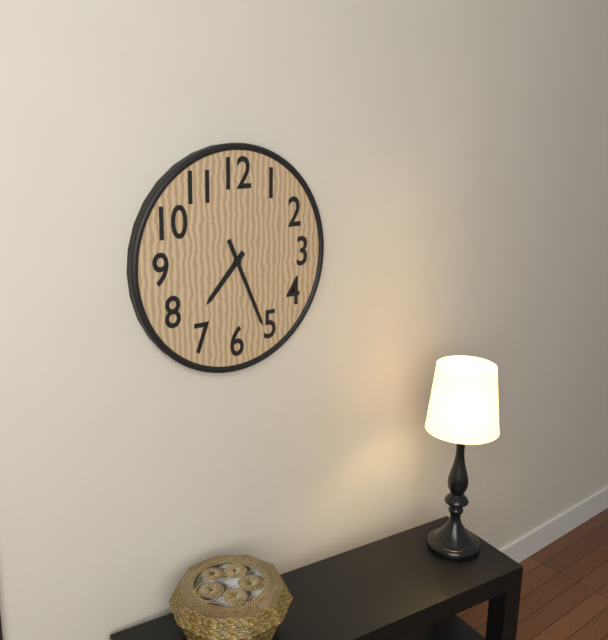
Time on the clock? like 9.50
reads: 7.26
